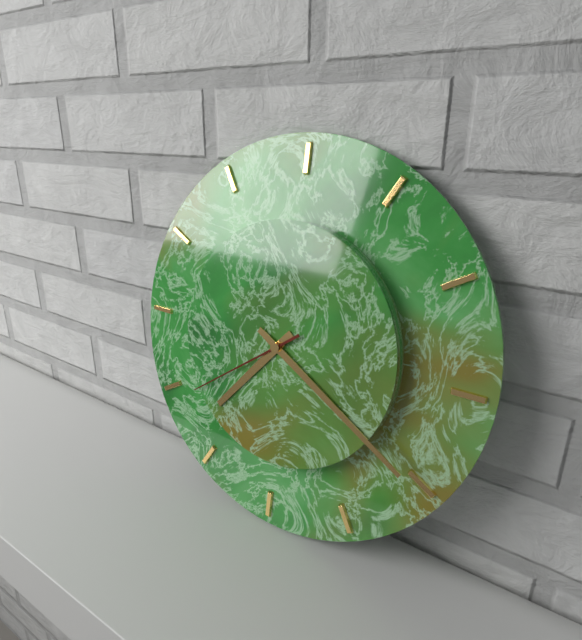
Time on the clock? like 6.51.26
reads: 7.20.39
